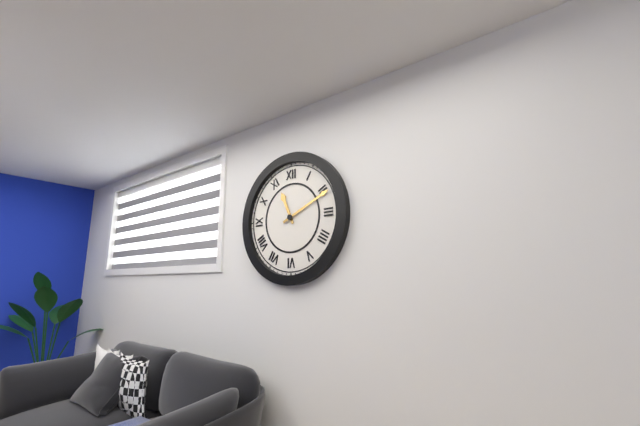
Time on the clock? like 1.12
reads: 11.11
